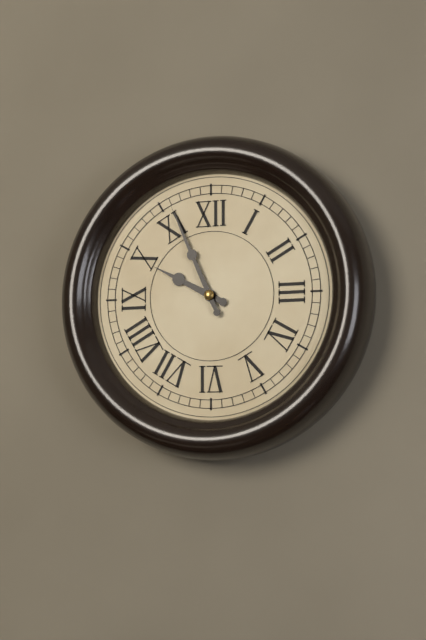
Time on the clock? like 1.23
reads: 9.56
